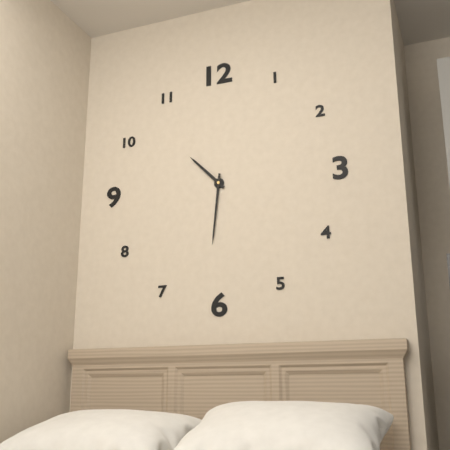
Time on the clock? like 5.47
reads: 10.31
